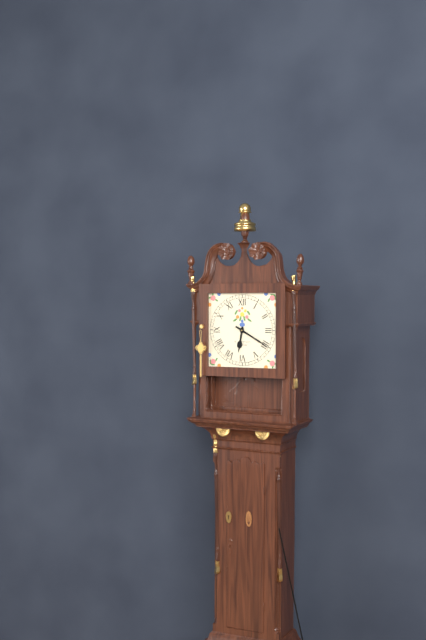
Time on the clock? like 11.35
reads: 6.20
